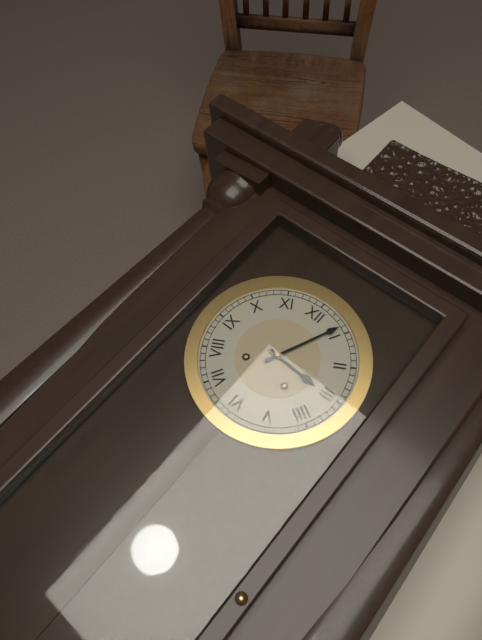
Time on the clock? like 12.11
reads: 3.04
